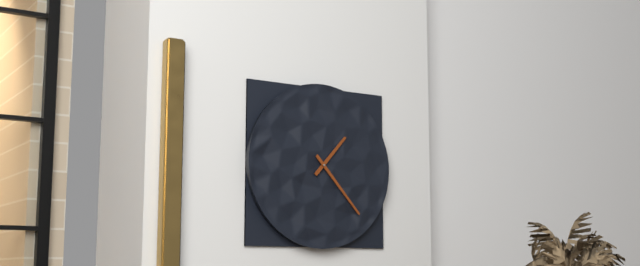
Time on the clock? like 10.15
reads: 1.23
